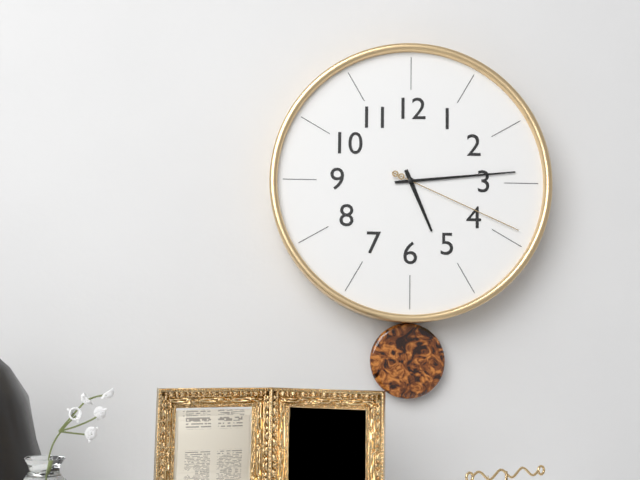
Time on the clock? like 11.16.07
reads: 5.14.19
